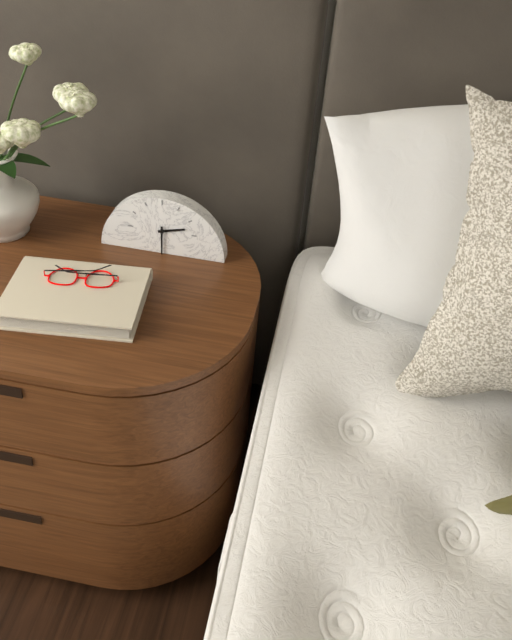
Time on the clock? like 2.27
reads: 2.30
